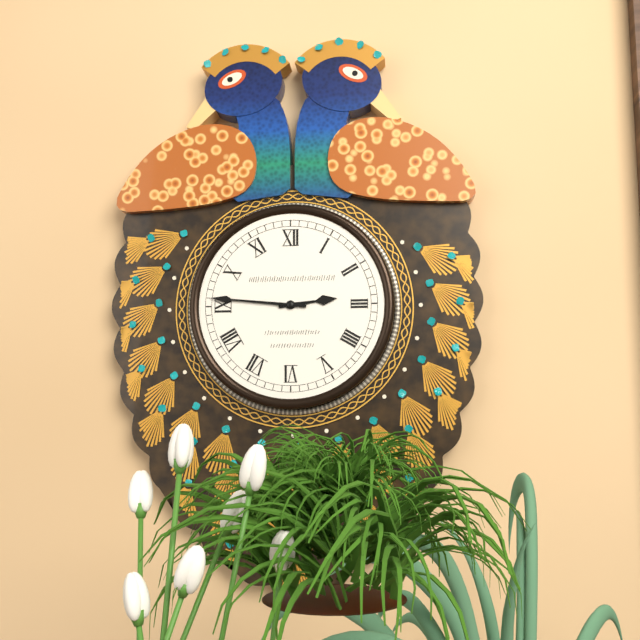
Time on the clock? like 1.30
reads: 2.46
